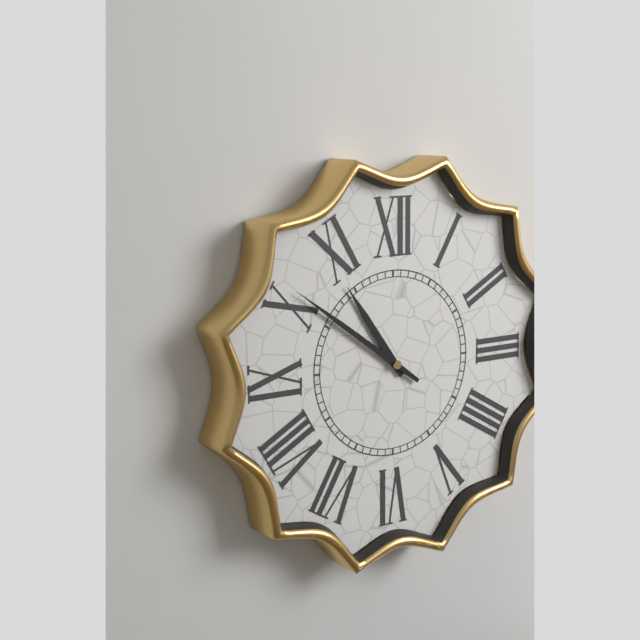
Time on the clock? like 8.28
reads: 10.51
